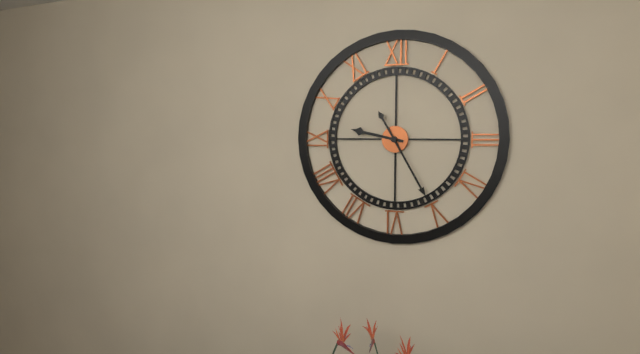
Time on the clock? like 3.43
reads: 9.25
